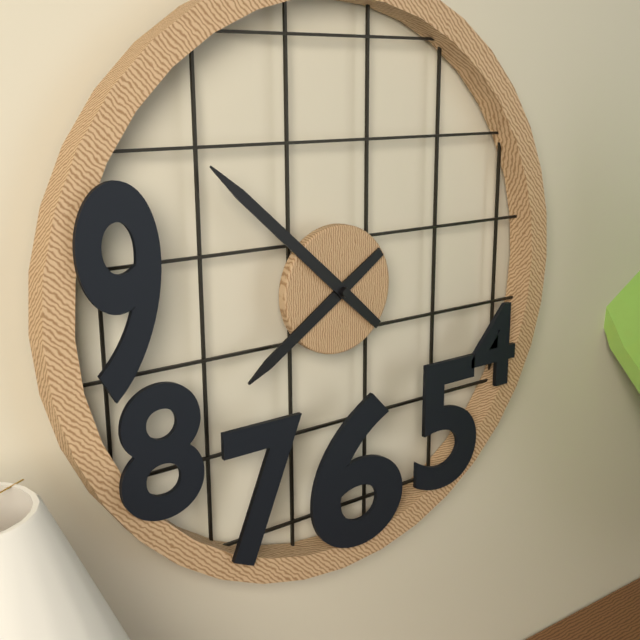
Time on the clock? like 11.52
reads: 7.52
